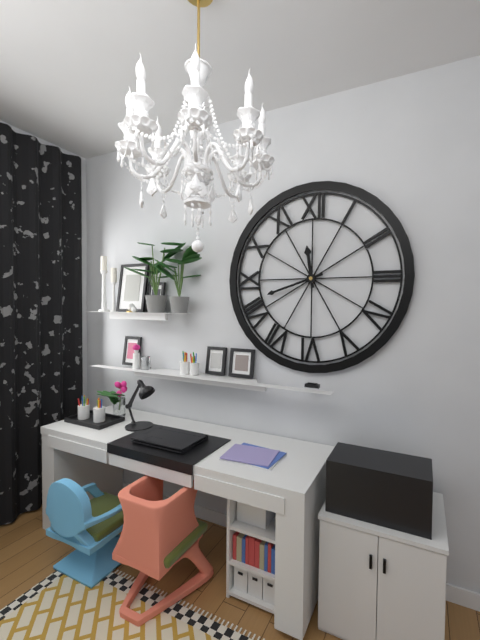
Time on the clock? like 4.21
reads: 11.42
